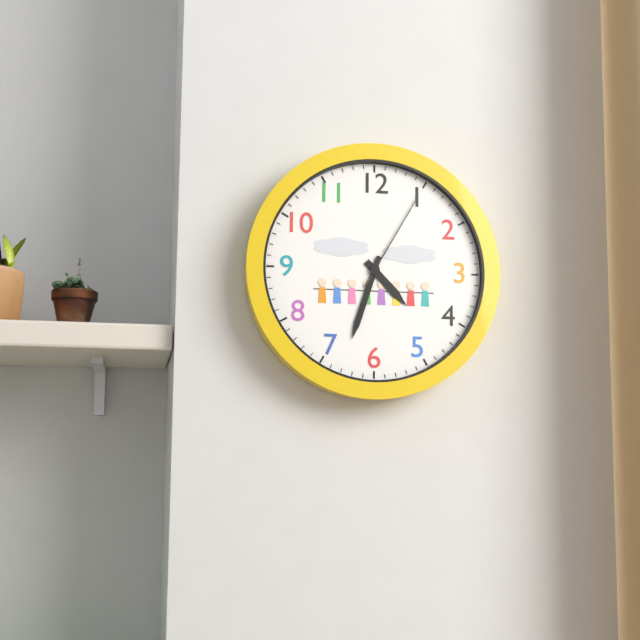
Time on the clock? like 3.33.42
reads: 4.33.05
